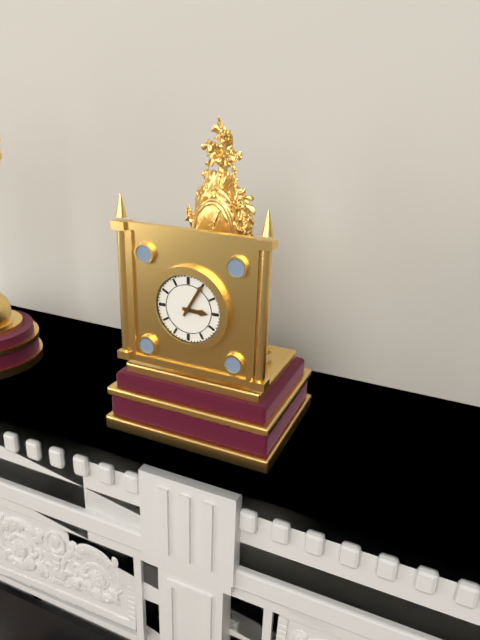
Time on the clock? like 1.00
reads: 3.05
